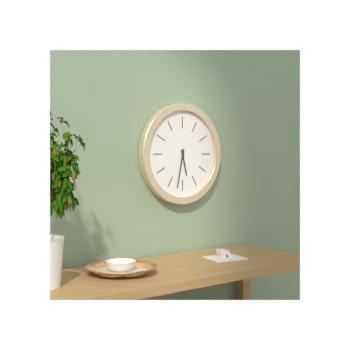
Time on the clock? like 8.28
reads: 5.32
